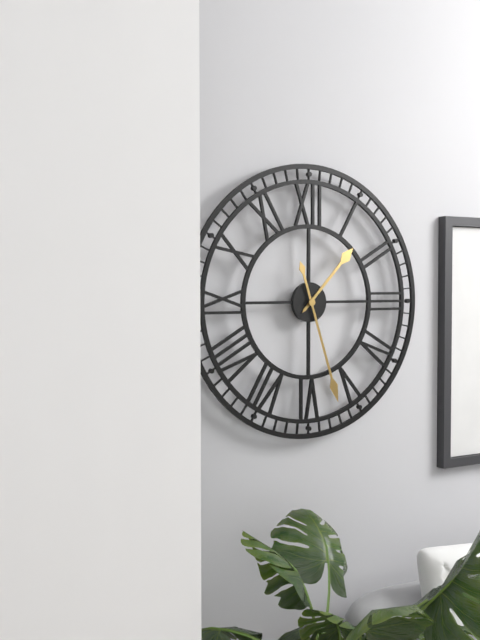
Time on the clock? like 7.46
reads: 1.27
